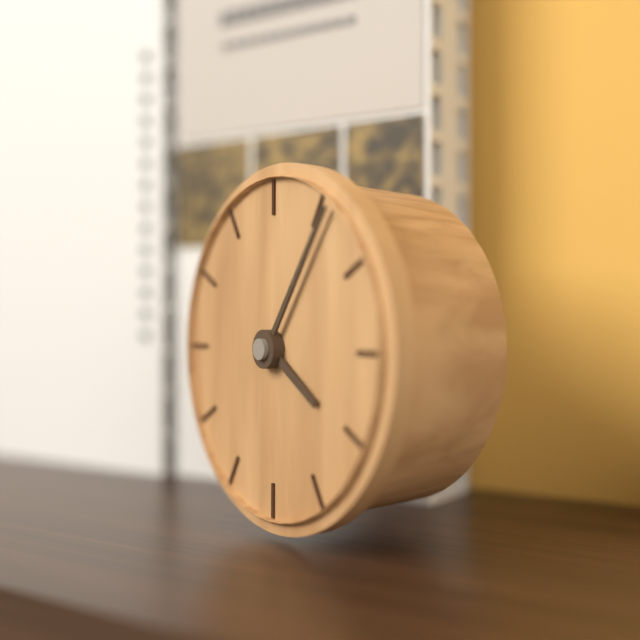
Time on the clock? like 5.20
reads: 4.06
